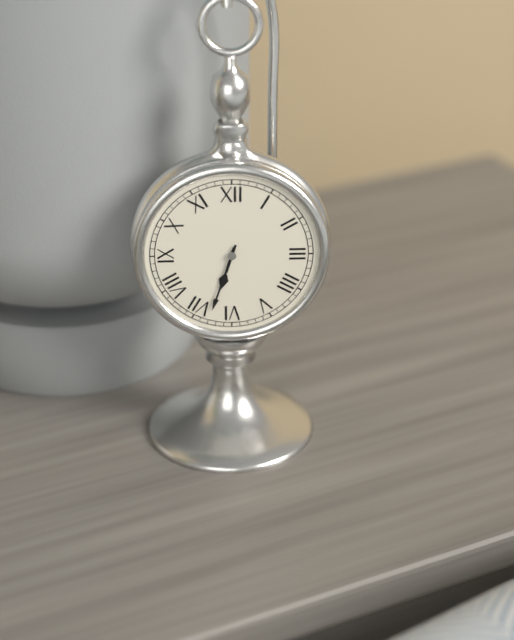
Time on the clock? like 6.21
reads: 6.33
